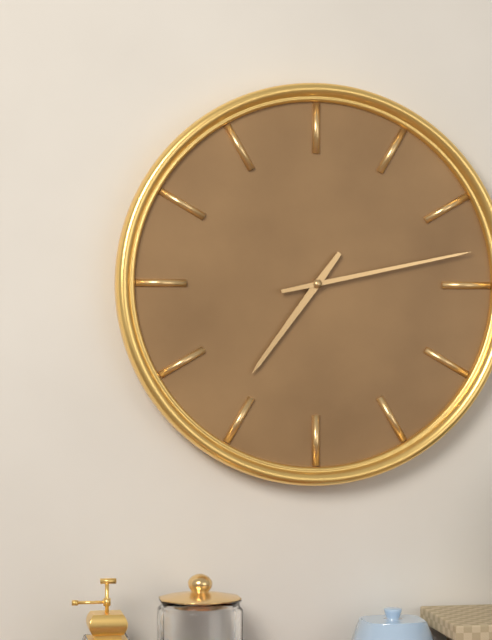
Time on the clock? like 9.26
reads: 7.13
